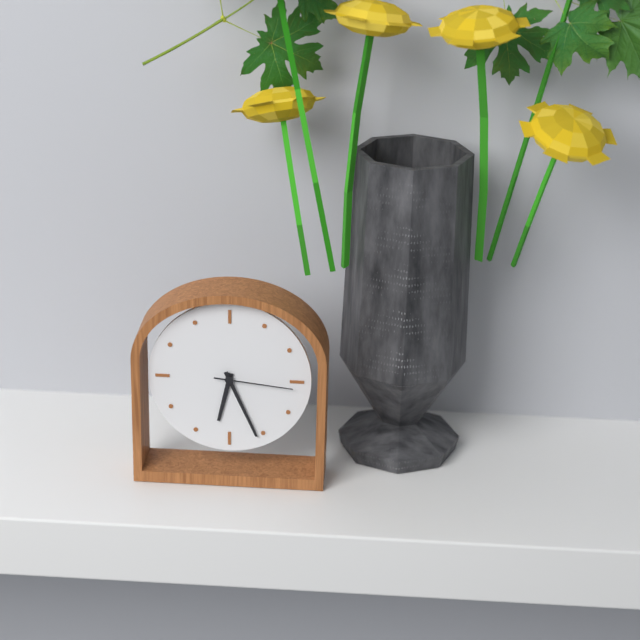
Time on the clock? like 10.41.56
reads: 6.26.16
